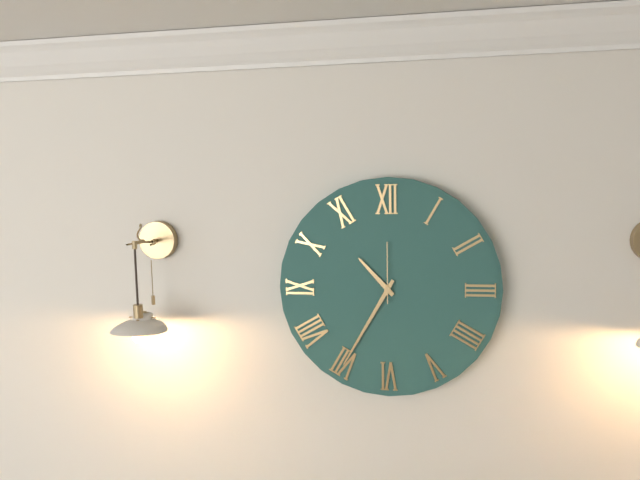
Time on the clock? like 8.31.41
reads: 10.35.00
